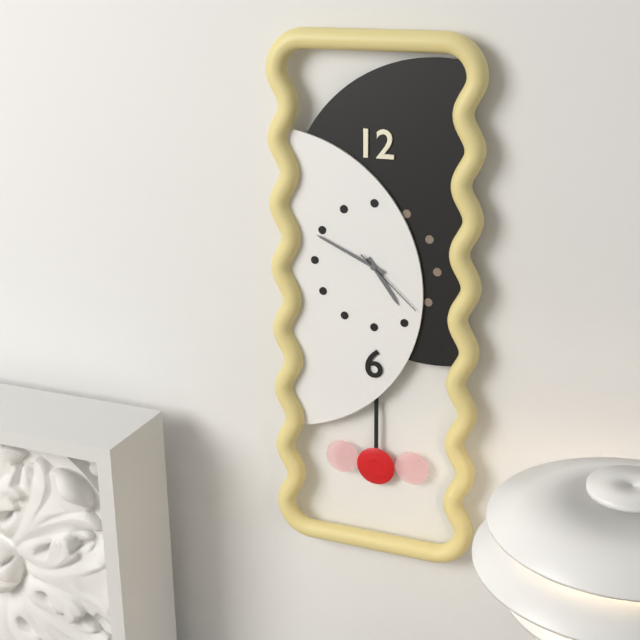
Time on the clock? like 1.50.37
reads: 4.49.22
